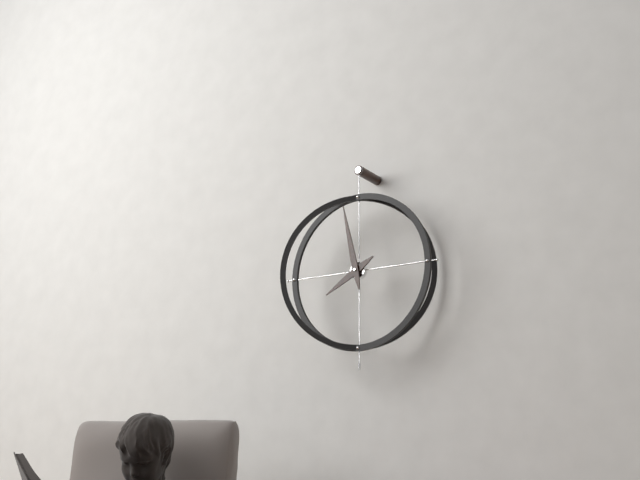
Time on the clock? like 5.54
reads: 7.58
